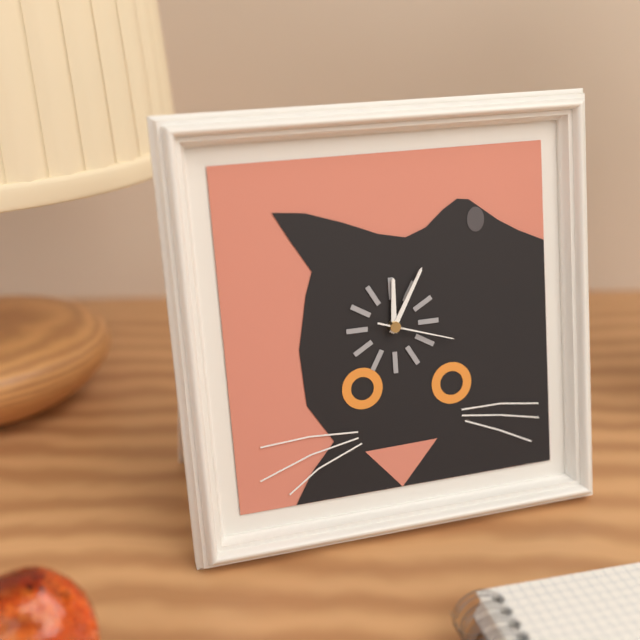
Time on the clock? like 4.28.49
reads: 12.05.18
